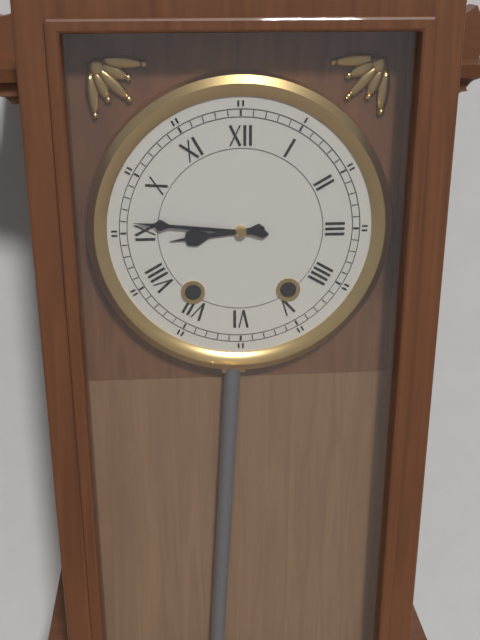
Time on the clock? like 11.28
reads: 8.46
